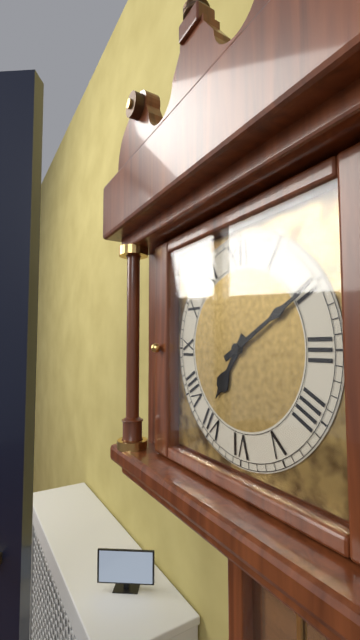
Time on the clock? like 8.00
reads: 7.10
